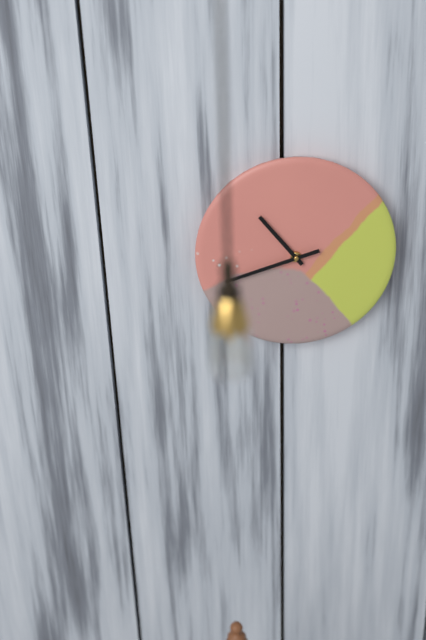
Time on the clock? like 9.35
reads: 10.42
